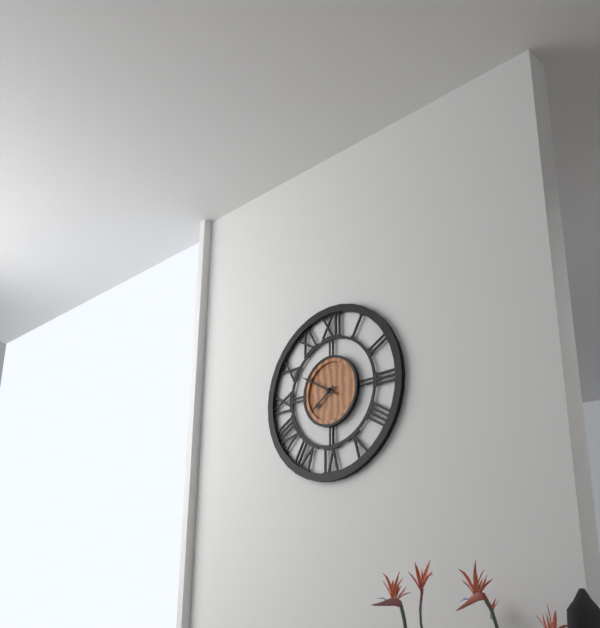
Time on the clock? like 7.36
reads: 7.50
